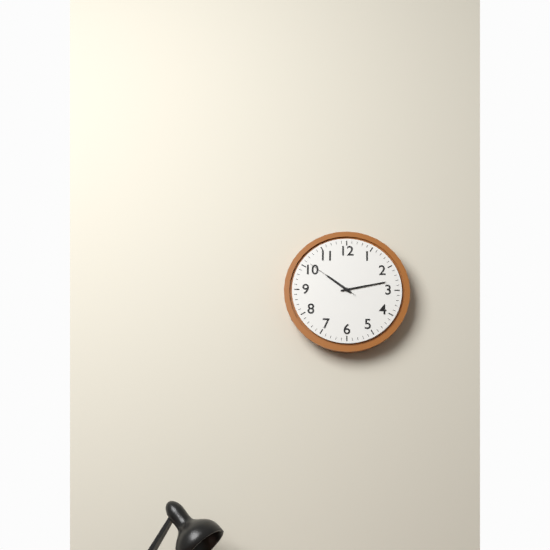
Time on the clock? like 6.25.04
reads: 10.13.51
